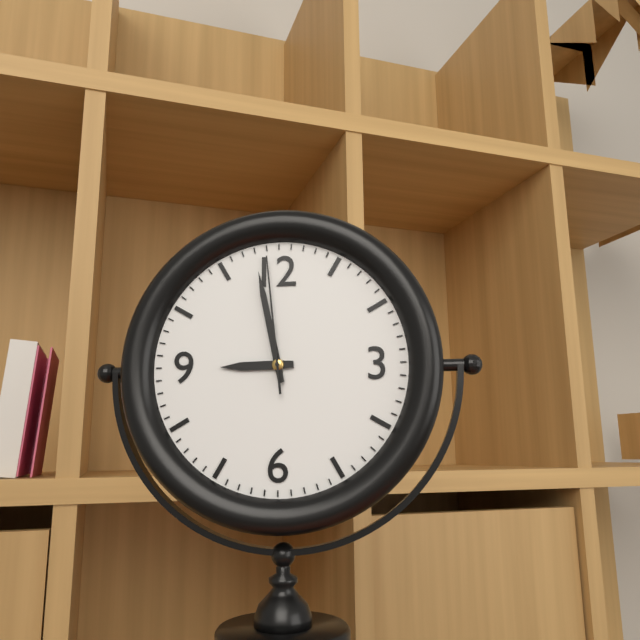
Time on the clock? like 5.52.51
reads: 8.58.59
